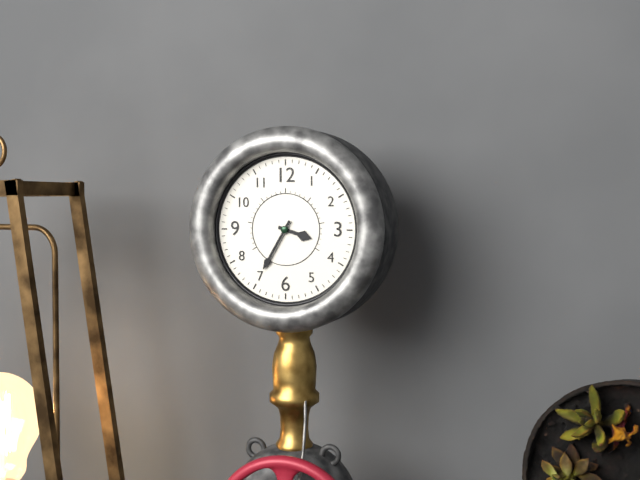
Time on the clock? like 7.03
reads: 3.35
